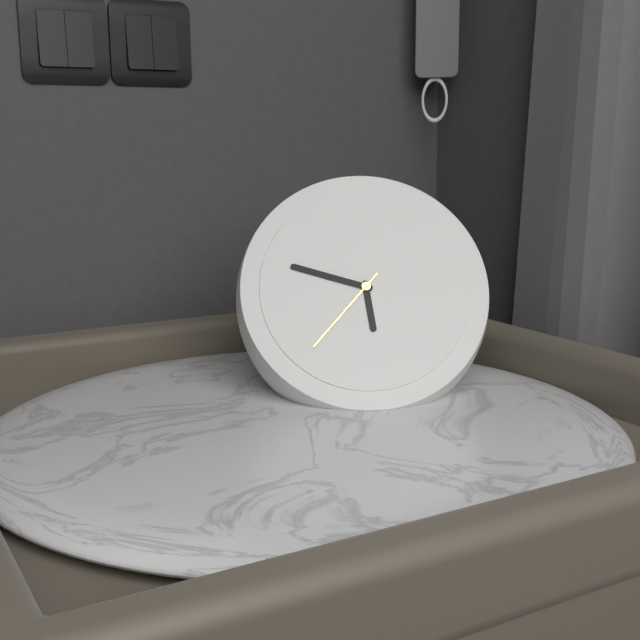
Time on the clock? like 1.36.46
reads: 5.48.37
